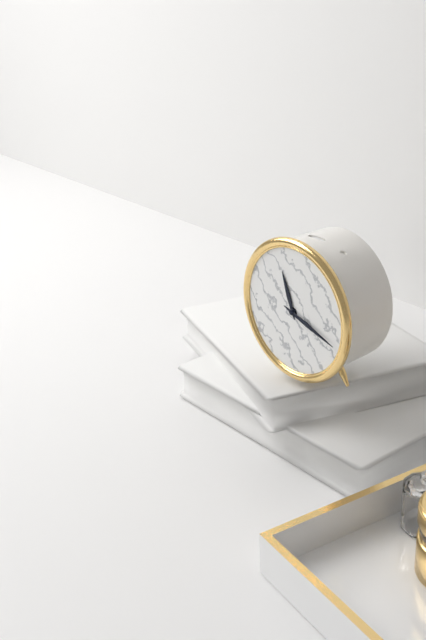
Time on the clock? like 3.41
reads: 11.18
